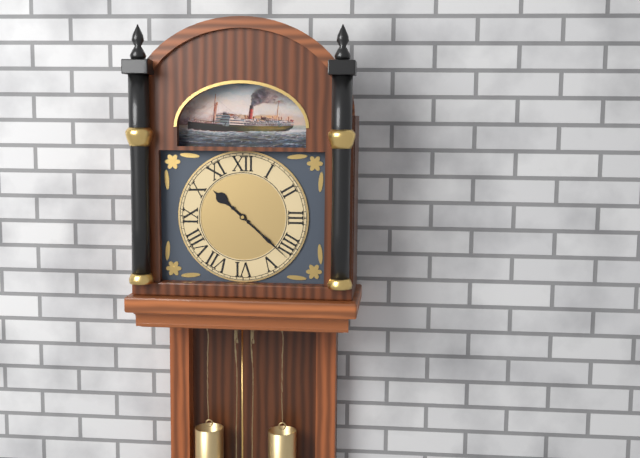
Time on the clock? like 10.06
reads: 10.22
